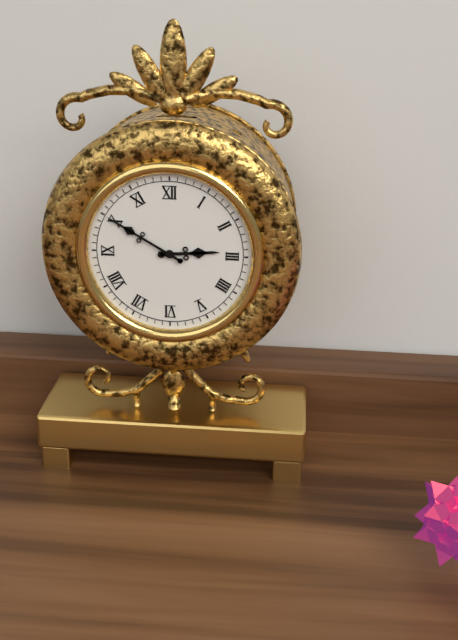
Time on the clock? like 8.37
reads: 2.50
